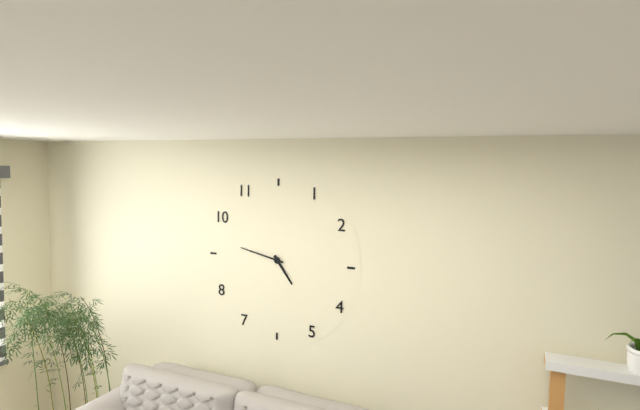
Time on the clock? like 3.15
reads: 4.47
